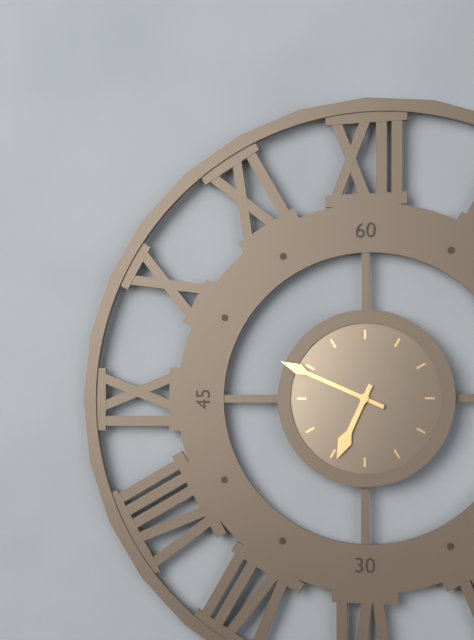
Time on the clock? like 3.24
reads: 6.49
